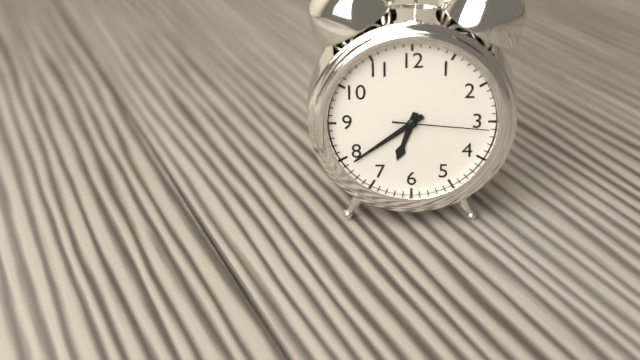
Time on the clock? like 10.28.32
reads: 6.39.16
